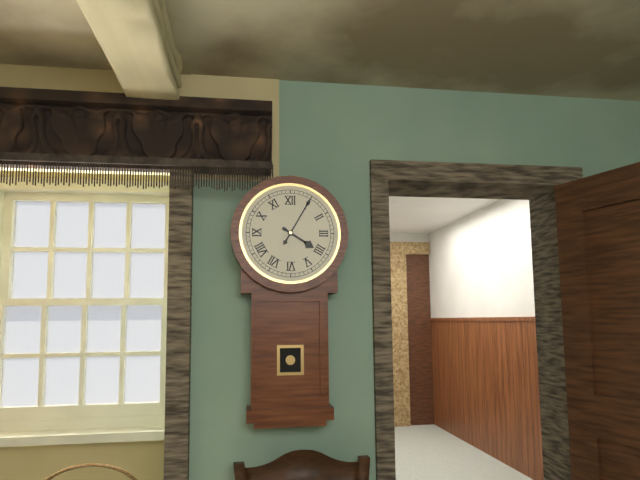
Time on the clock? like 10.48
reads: 4.05
